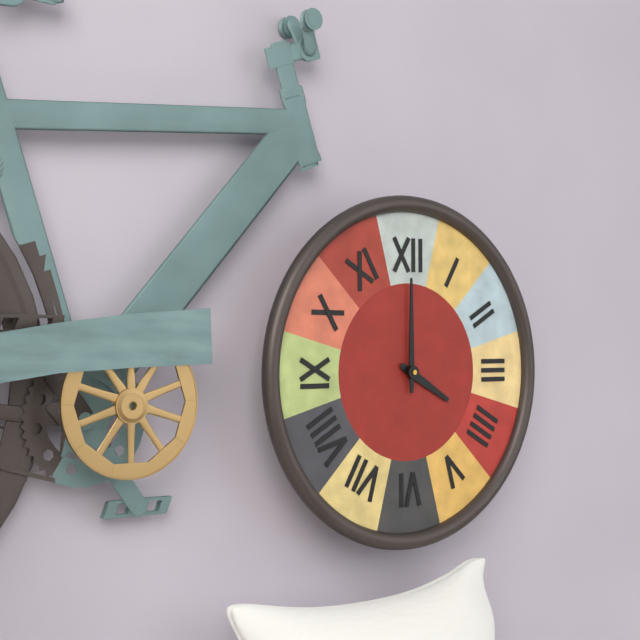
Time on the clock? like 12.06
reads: 4.00
